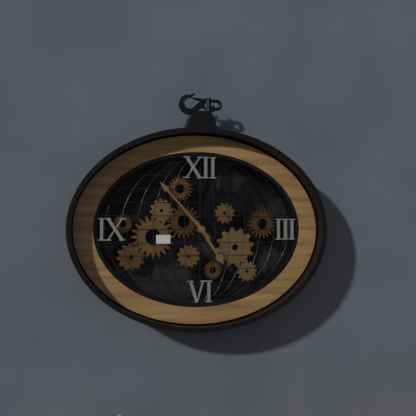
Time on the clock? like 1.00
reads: 4.53
